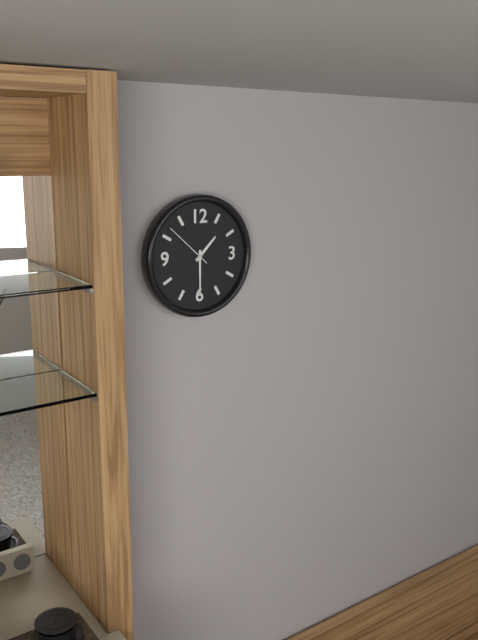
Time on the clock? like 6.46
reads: 1.30
